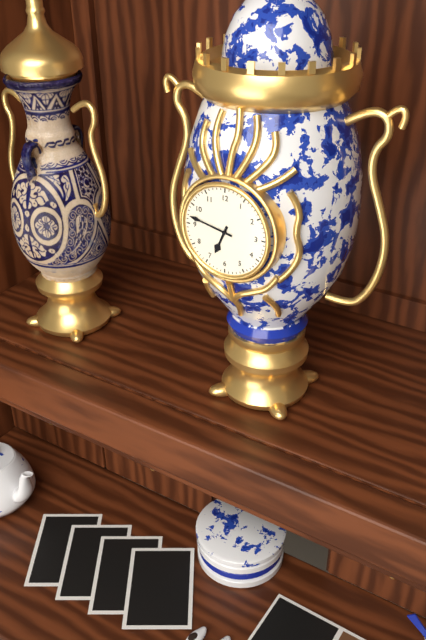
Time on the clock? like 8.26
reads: 6.47
